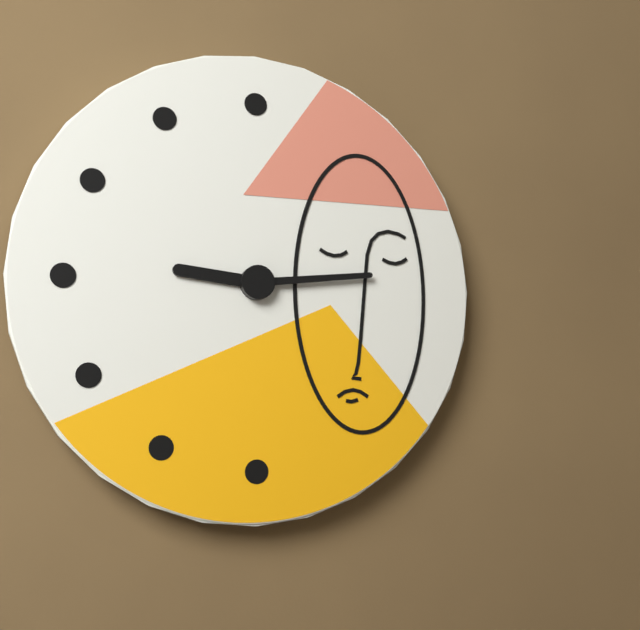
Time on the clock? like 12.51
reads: 9.14
